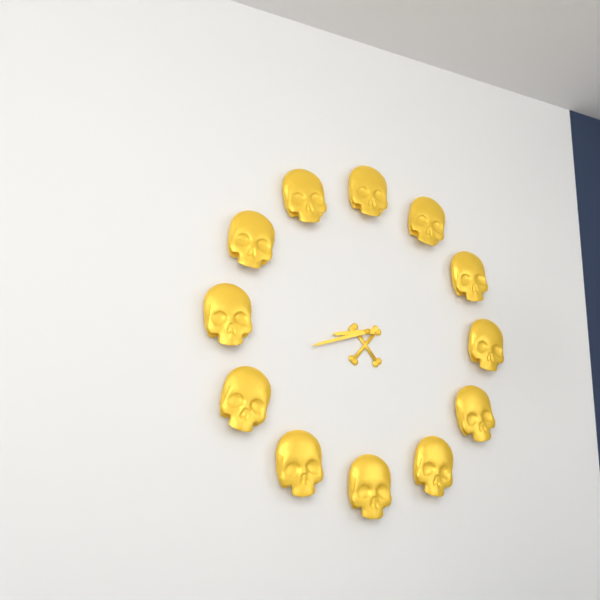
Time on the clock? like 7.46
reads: 8.42
